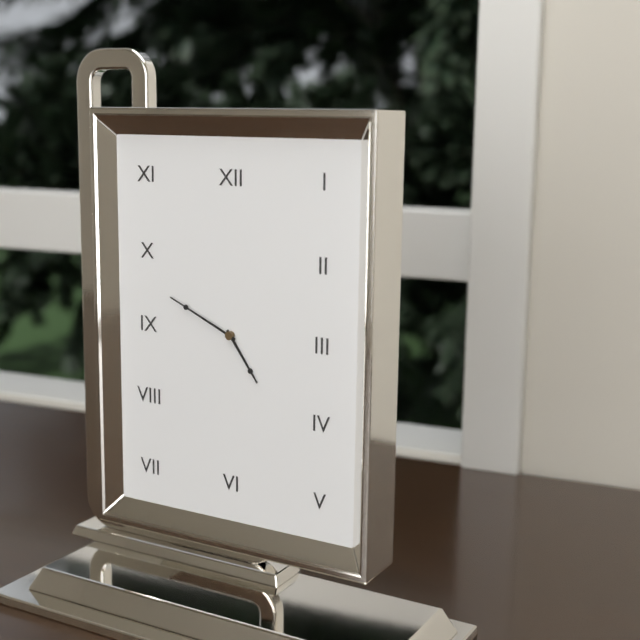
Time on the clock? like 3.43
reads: 4.49
